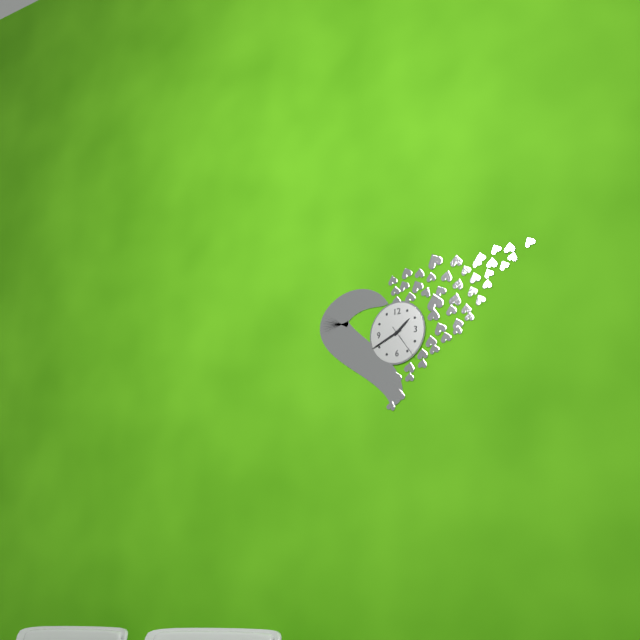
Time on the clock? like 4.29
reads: 1.41
